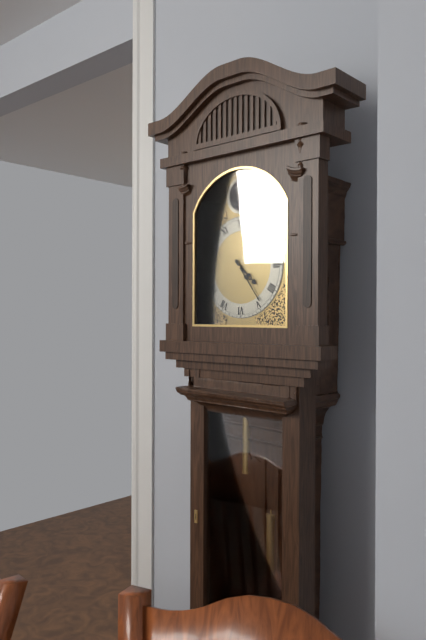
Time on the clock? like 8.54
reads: 4.24
